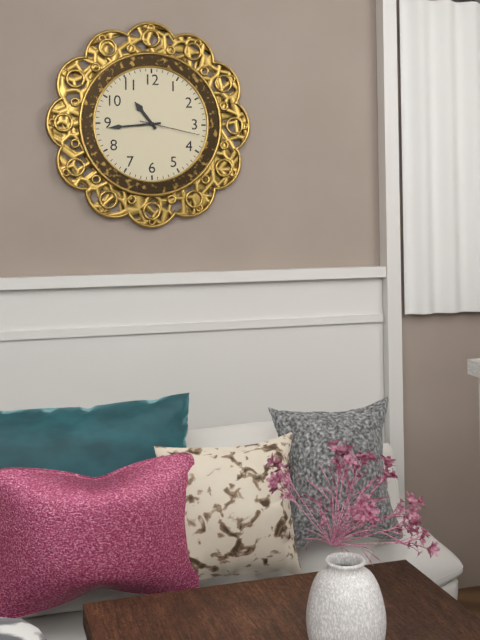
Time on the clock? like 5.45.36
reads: 10.44.17
